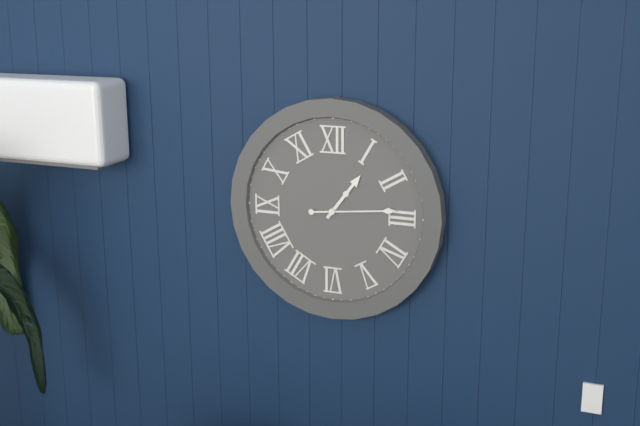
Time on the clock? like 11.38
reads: 1.14
